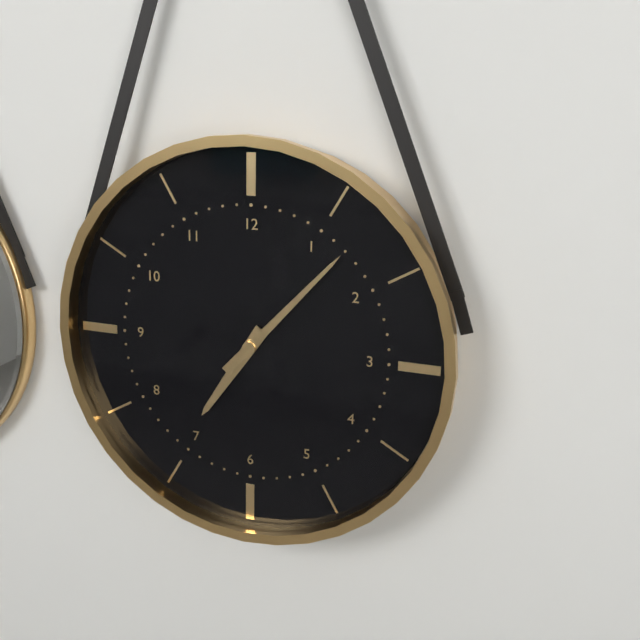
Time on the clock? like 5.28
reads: 7.07
